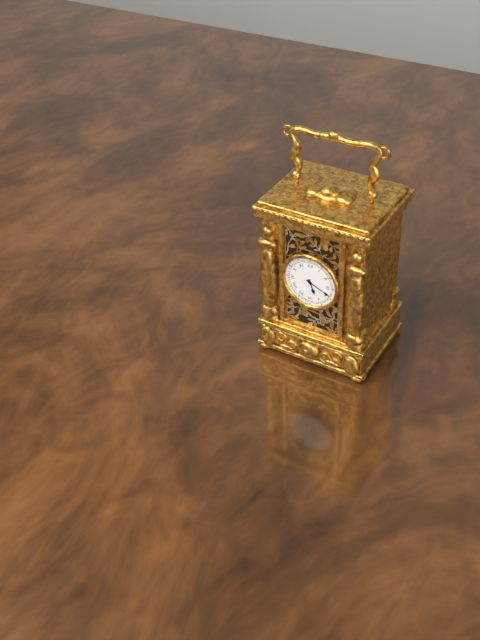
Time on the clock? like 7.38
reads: 5.19
